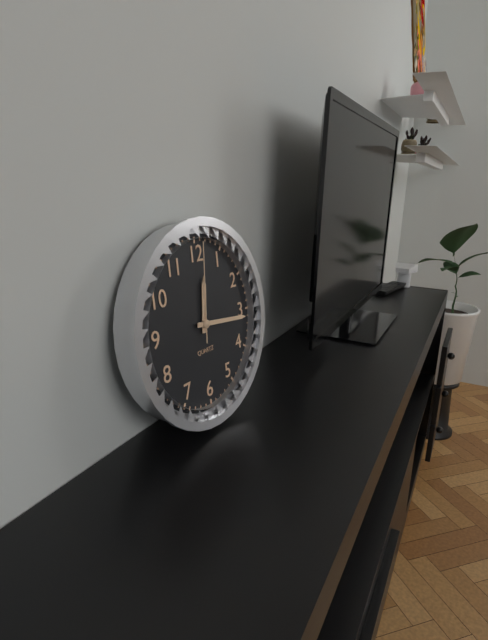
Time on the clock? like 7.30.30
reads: 12.16.01
